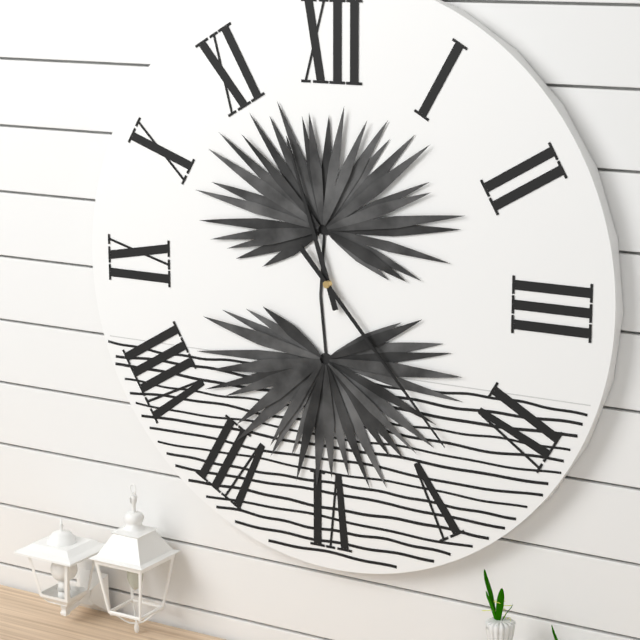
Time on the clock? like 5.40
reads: 11.23
